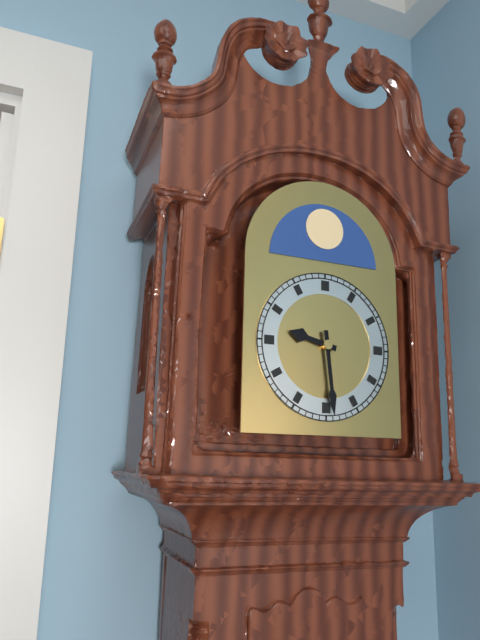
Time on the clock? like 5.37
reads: 9.29
